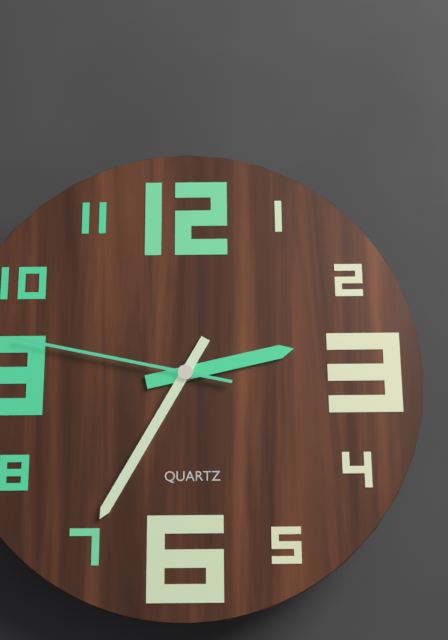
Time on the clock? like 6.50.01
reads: 2.35.47
